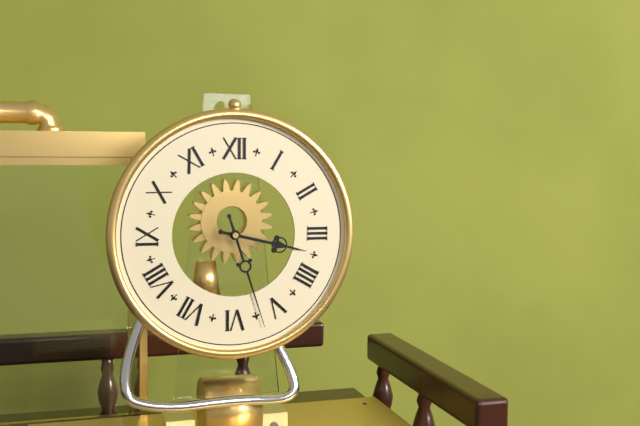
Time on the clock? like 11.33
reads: 3.27
